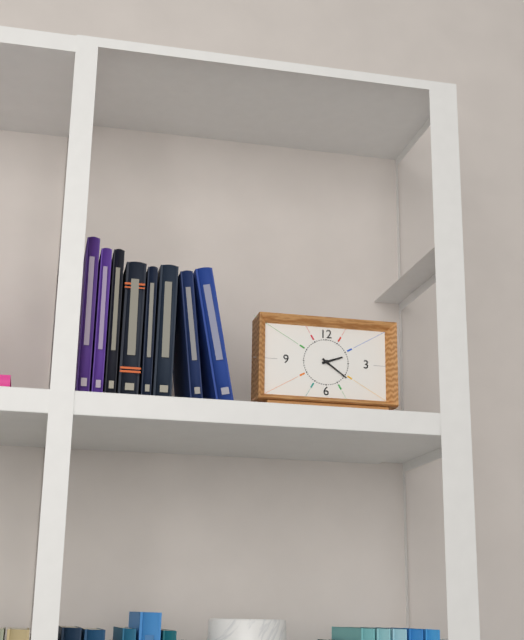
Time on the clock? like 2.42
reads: 2.21
